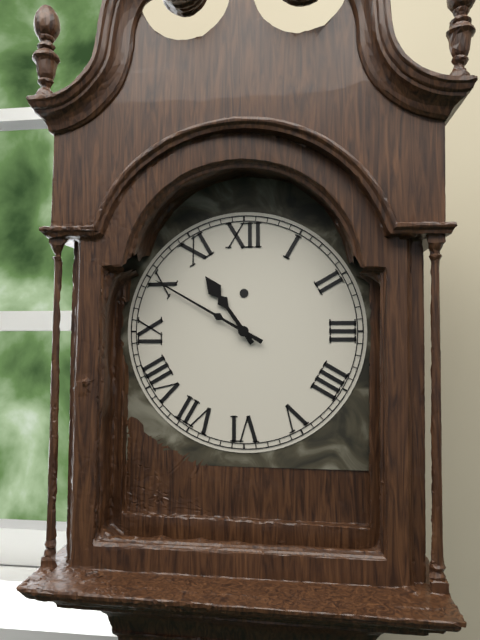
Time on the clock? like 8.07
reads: 10.50
